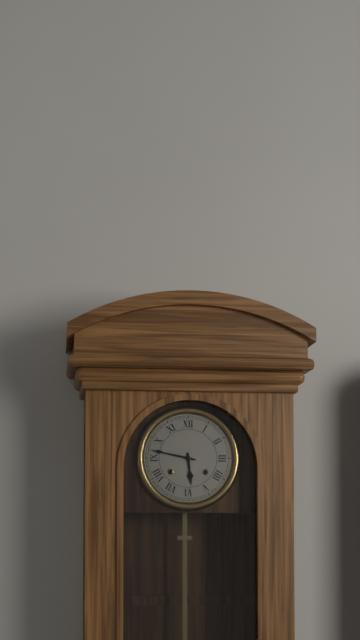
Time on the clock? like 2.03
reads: 5.47
